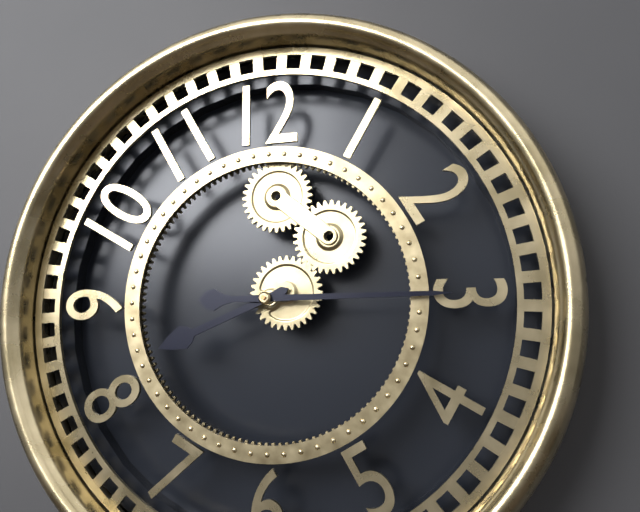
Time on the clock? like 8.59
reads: 8.15
